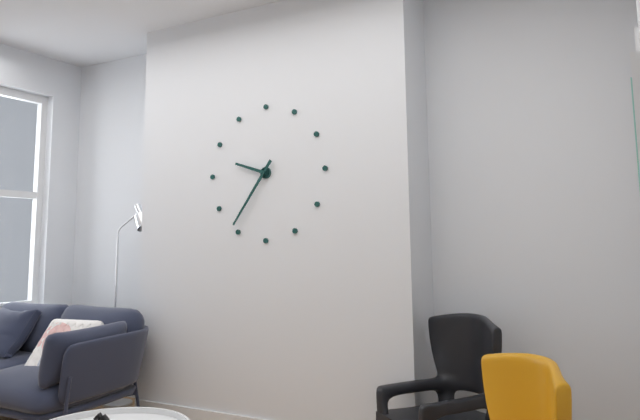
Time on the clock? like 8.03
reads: 9.36
